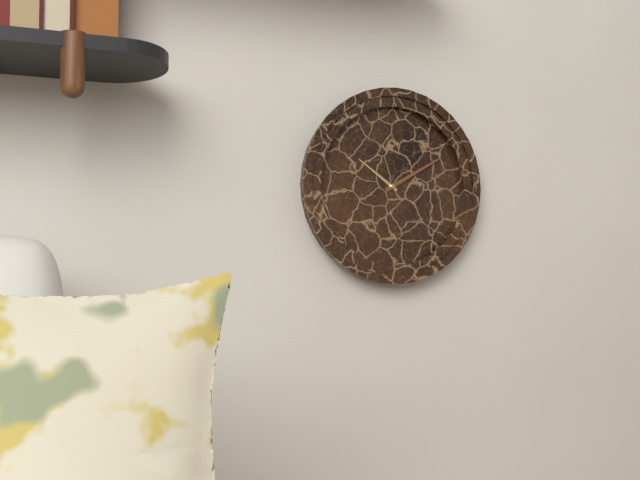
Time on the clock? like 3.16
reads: 10.10
